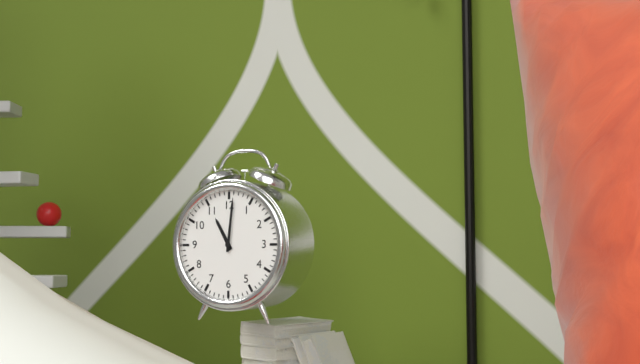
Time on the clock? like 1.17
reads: 11.01
